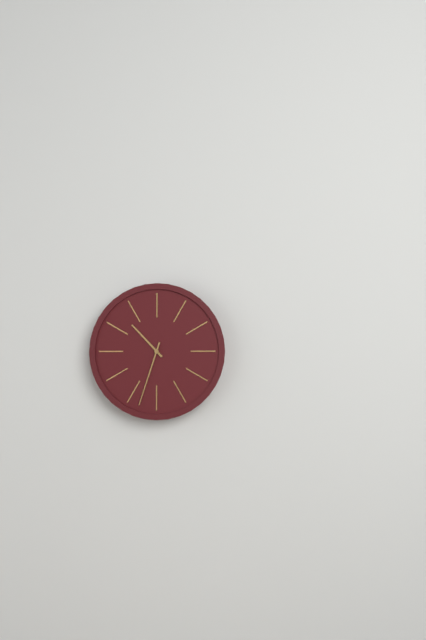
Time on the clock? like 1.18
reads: 10.33
